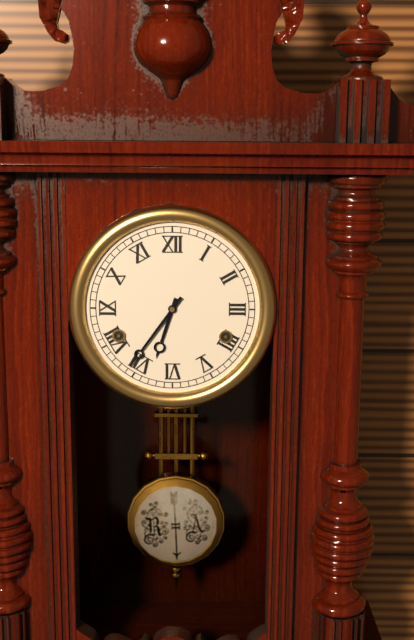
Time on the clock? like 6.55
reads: 6.36
